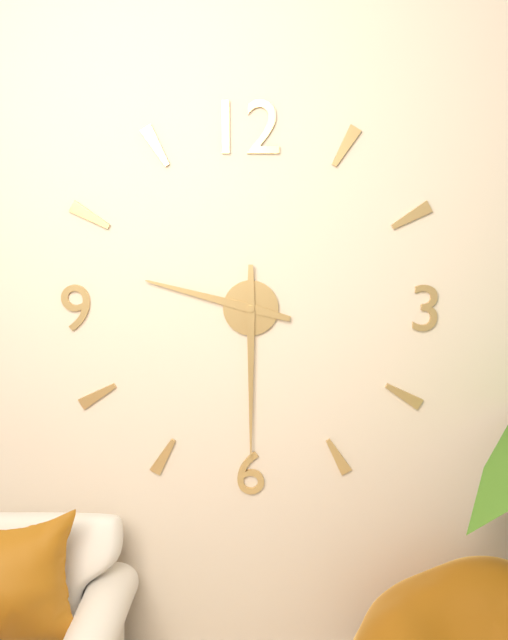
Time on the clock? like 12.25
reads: 9.30
